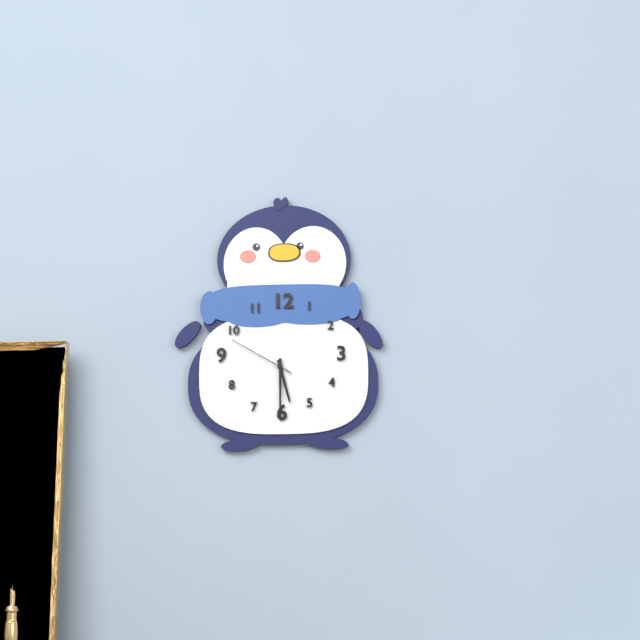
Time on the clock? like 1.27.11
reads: 5.30.50
